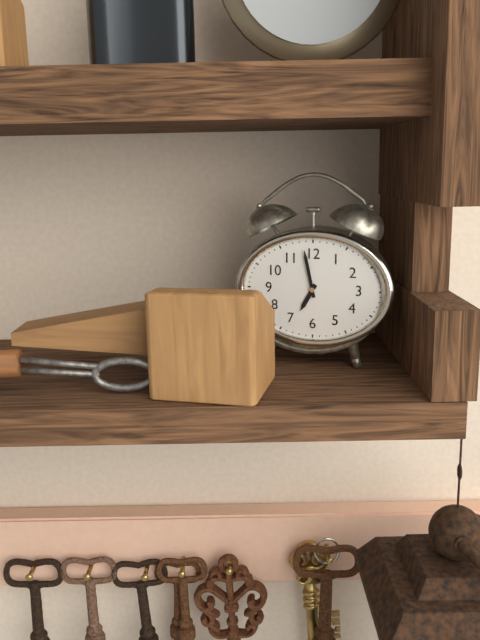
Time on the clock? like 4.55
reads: 6.58
